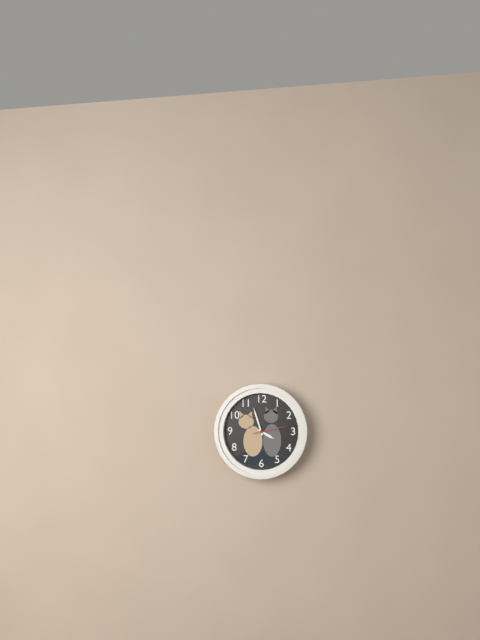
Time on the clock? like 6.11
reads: 3.57
